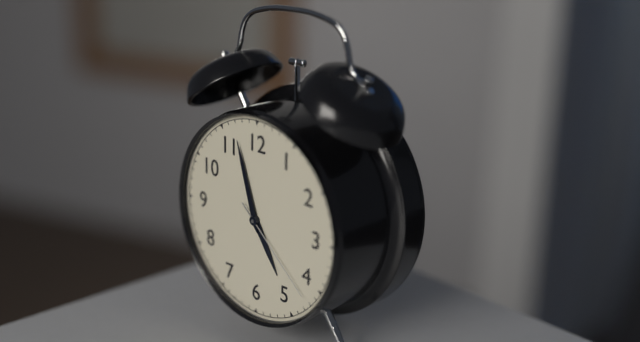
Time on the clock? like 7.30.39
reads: 4.57.22
